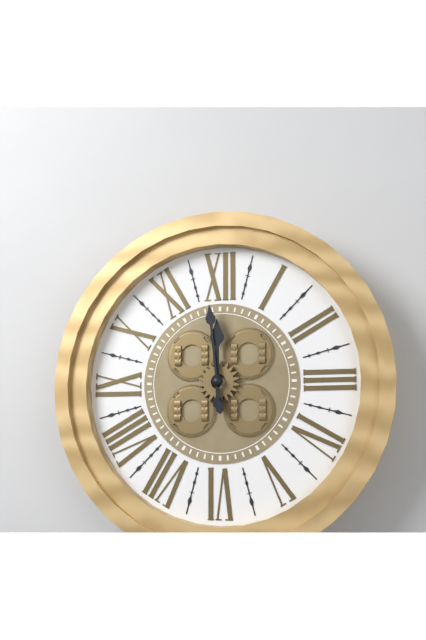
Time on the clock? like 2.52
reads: 11.59
